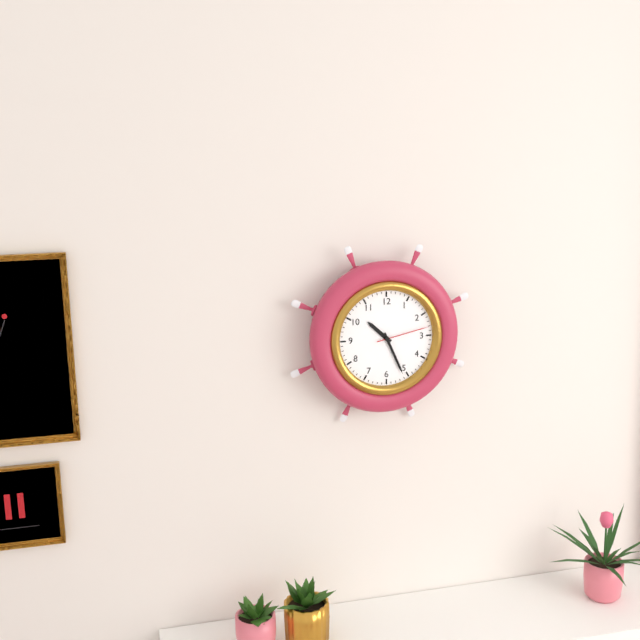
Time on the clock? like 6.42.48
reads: 10.26.13
